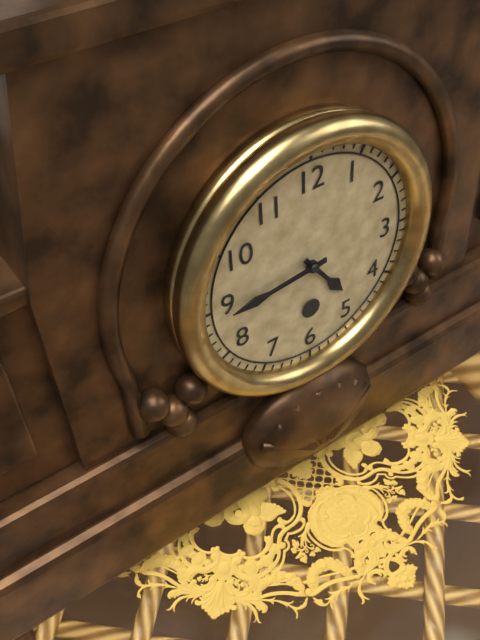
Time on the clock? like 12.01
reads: 4.44
